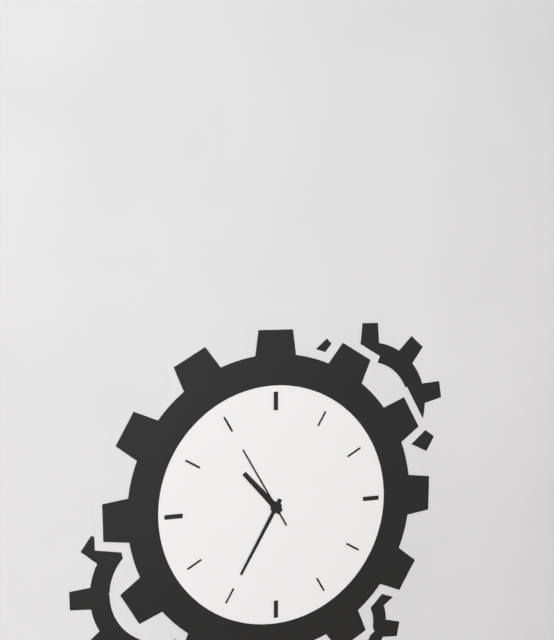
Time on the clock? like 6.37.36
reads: 10.35.55
